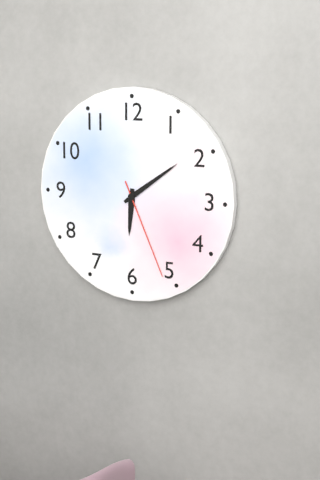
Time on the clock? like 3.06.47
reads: 6.09.26
